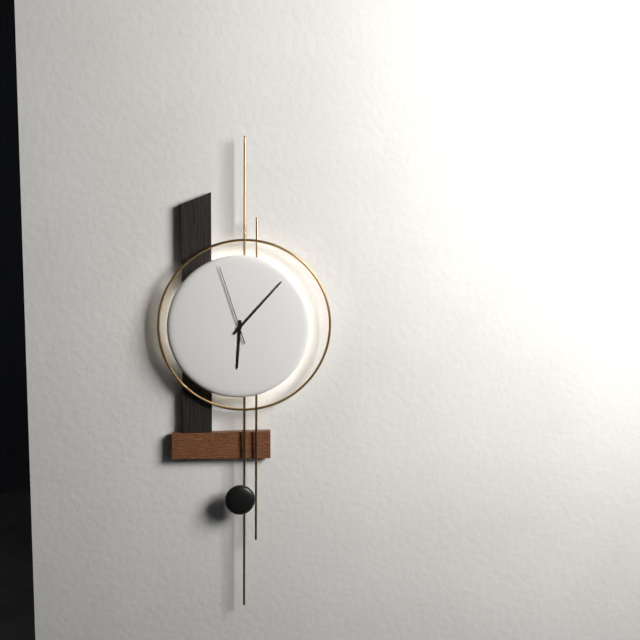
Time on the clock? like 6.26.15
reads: 6.07.57
